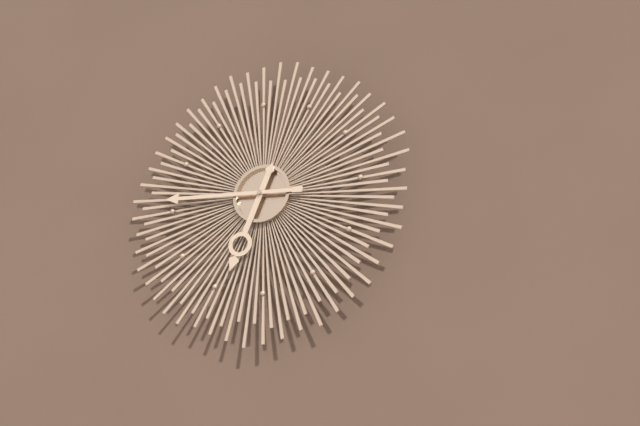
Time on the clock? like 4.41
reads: 6.46
